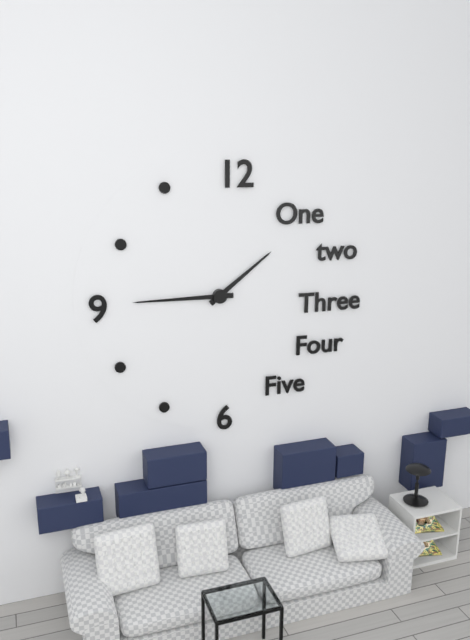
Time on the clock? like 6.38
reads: 1.45
